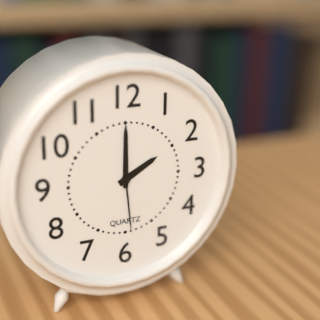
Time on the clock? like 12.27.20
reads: 2.00.29
